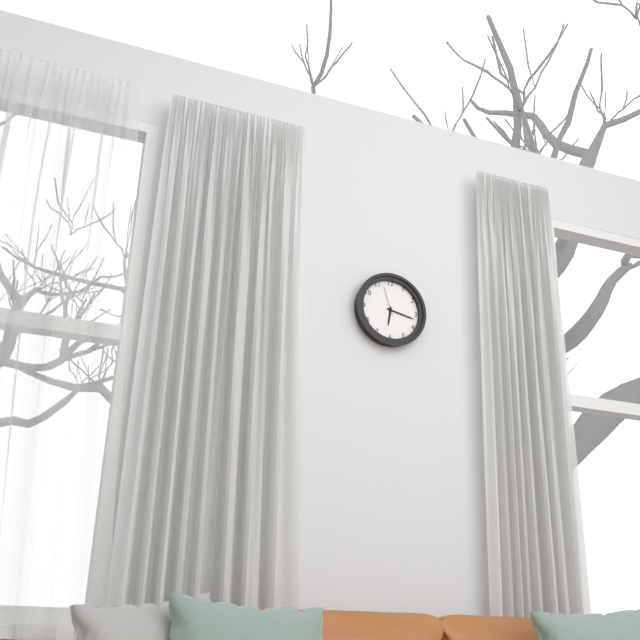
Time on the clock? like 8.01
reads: 6.17
